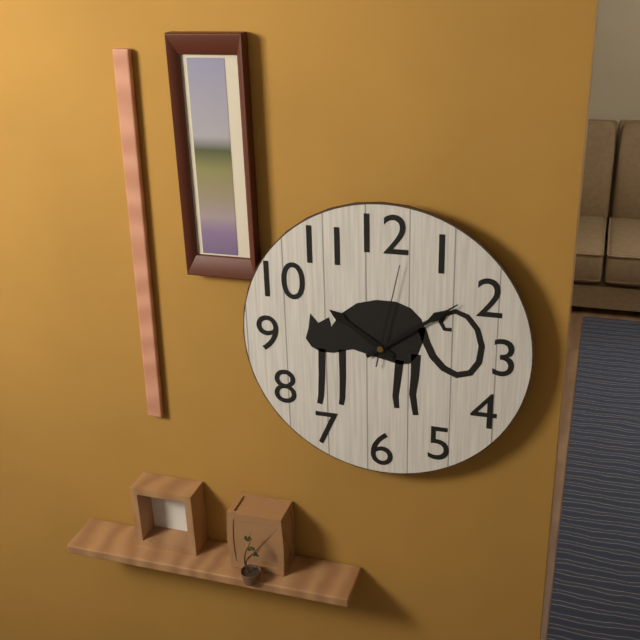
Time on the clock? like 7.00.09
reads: 10.09.02
